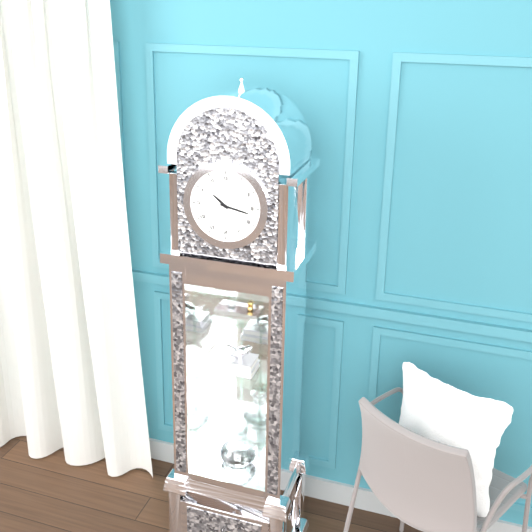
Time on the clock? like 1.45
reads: 10.17
